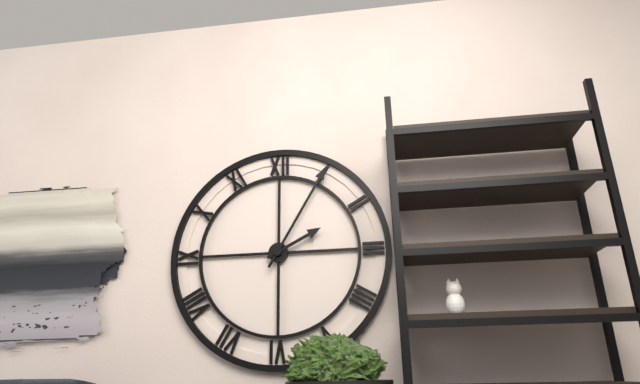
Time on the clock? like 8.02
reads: 2.05
